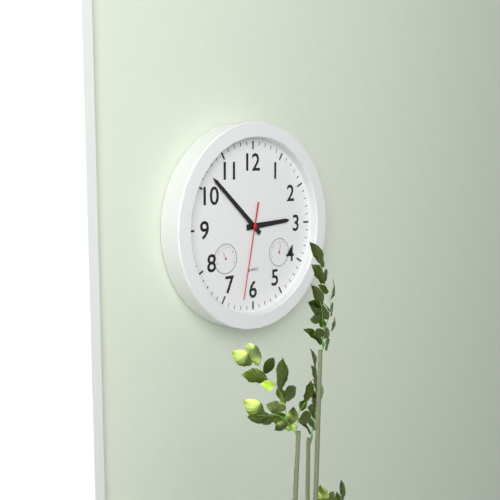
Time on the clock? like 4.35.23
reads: 2.52.32
